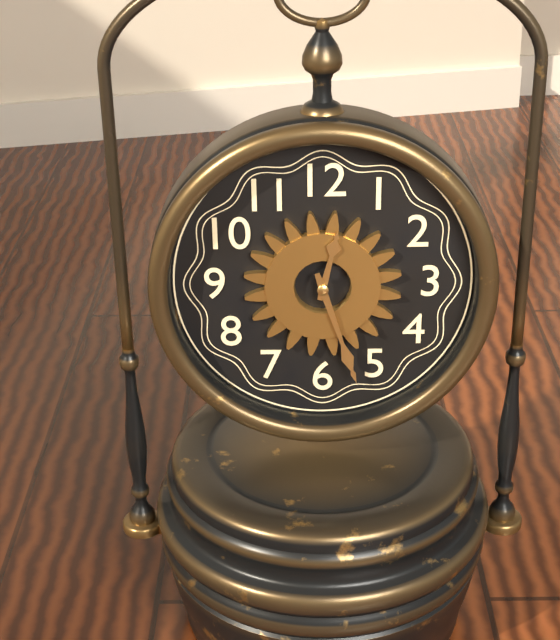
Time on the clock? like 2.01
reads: 12.27
